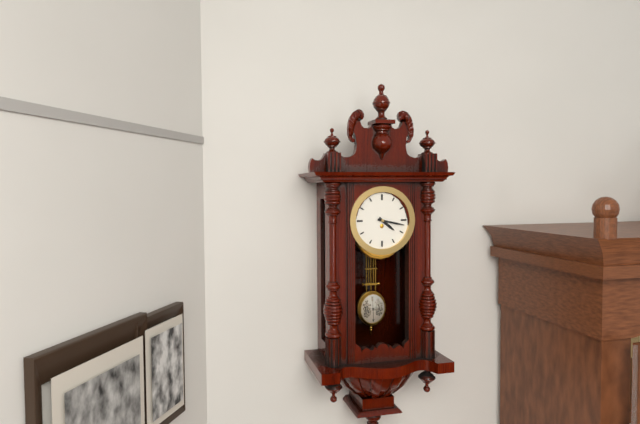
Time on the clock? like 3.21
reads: 4.17
